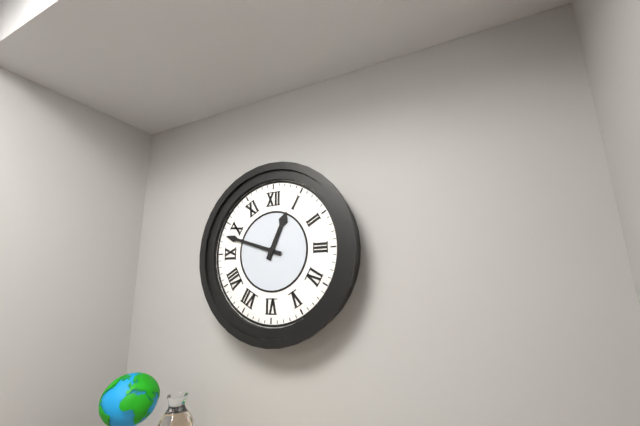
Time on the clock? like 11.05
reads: 12.48
